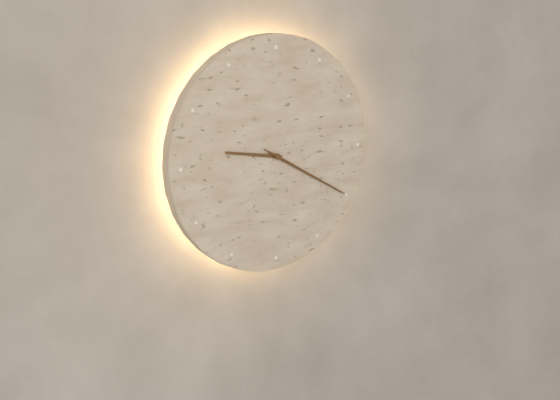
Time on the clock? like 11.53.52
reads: 9.20.20
